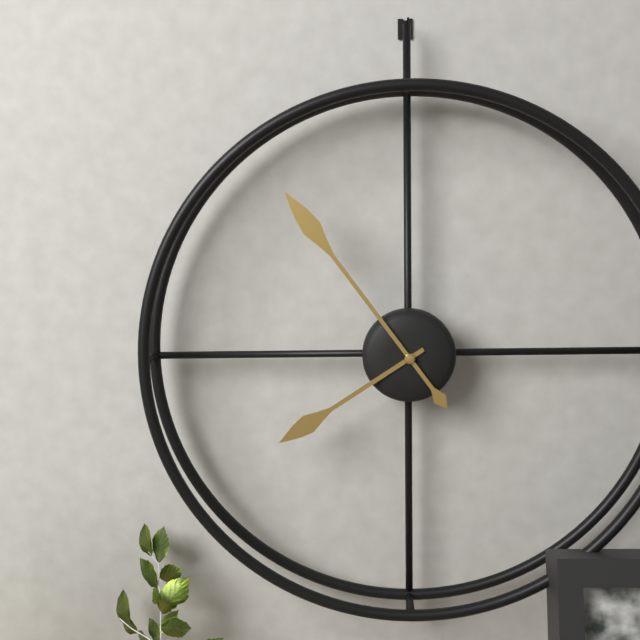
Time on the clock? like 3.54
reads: 7.54
